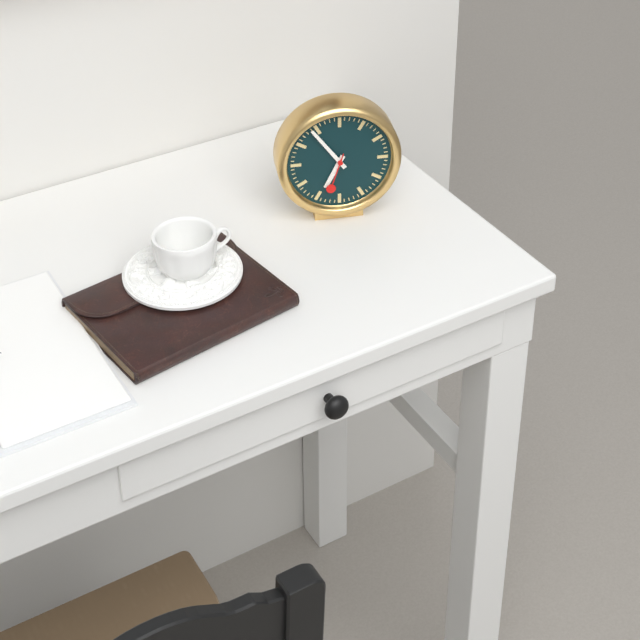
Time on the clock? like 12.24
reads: 6.54
